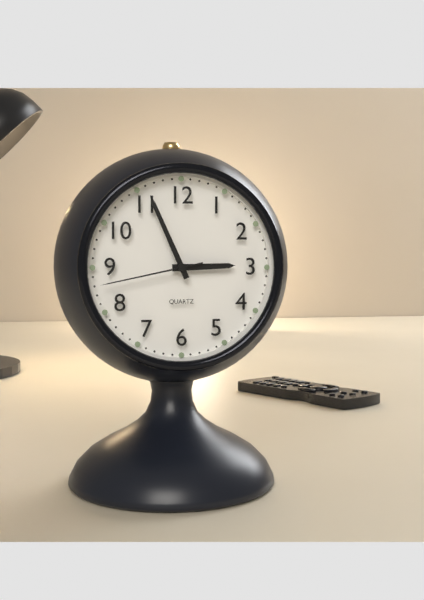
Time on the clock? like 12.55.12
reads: 2.56.43
